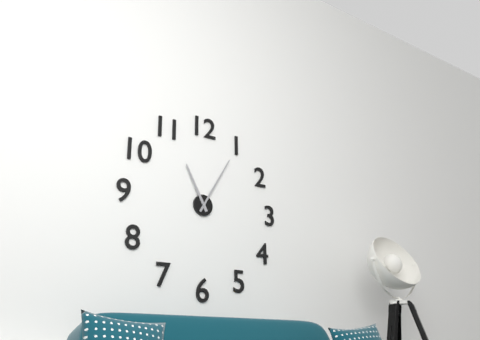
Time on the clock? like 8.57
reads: 11.05
